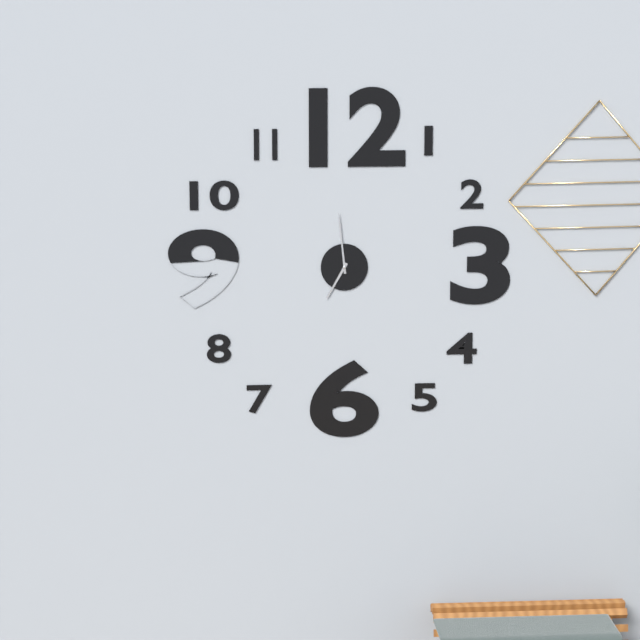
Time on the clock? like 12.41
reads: 6.59
